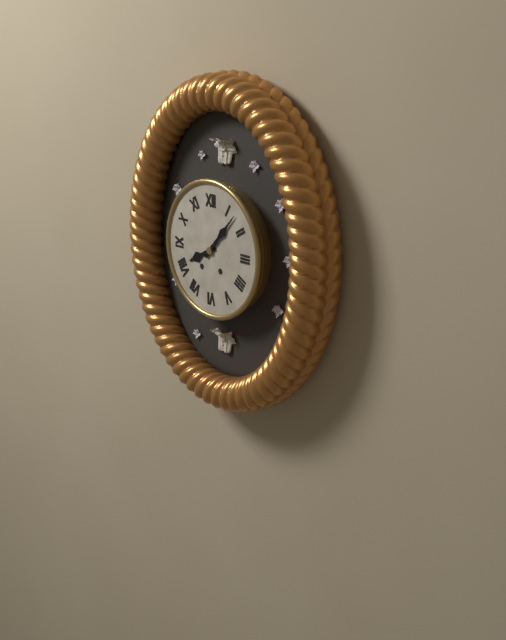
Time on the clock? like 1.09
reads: 8.07
